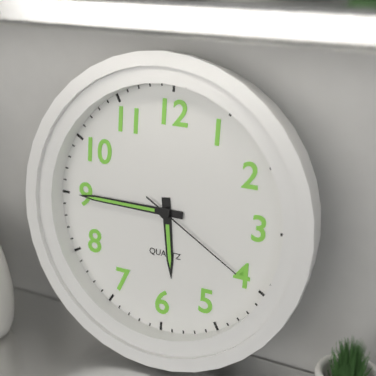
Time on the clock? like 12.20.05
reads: 5.45.20
